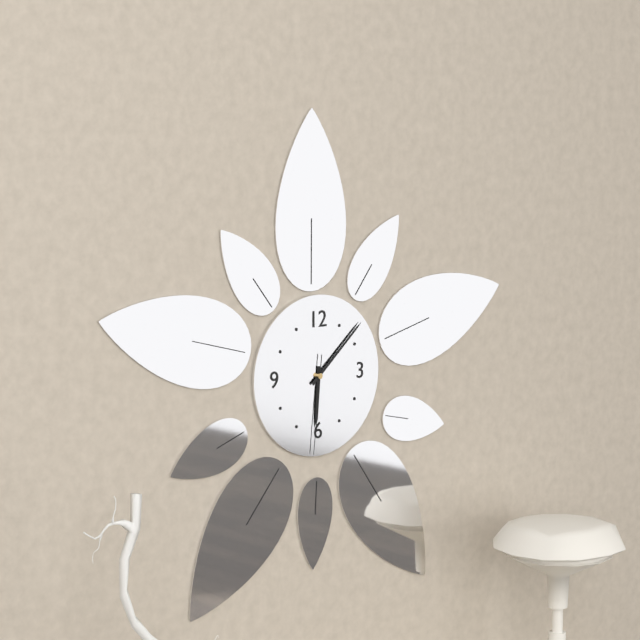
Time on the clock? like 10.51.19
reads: 6.08.31
